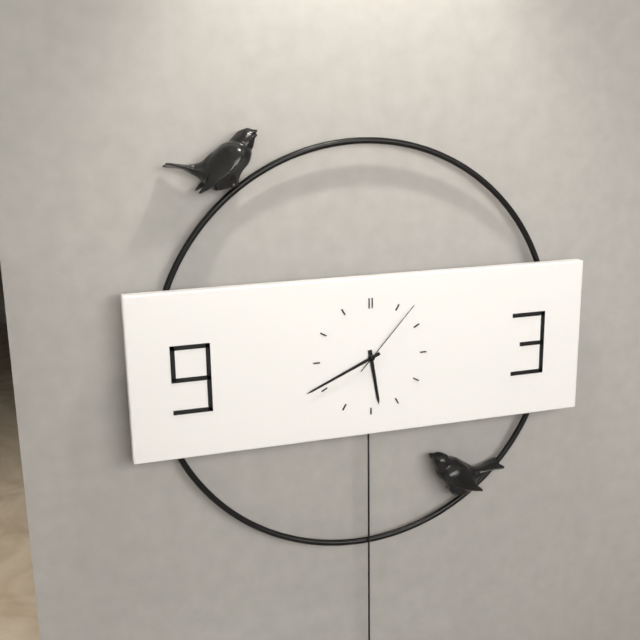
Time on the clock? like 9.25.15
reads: 5.41.07
